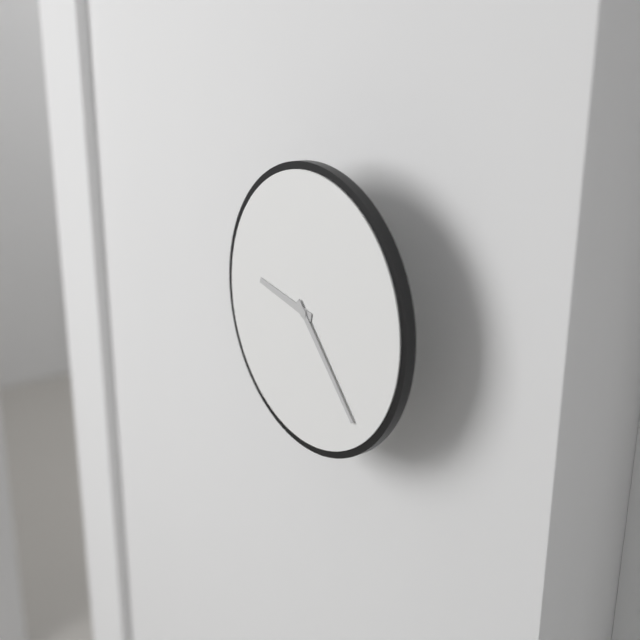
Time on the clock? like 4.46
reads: 9.23
